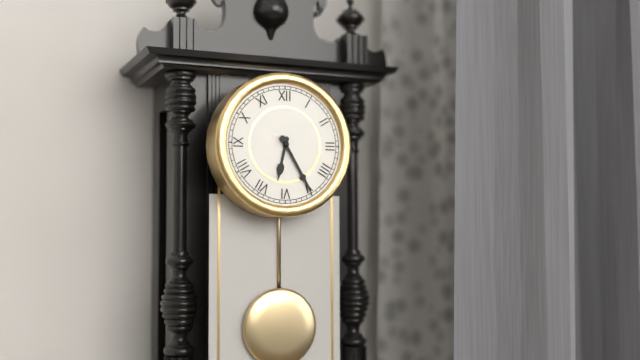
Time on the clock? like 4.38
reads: 6.25
